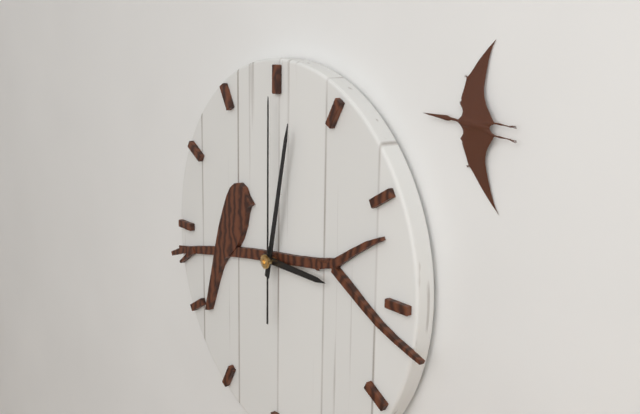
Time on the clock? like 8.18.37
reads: 3.02.00
